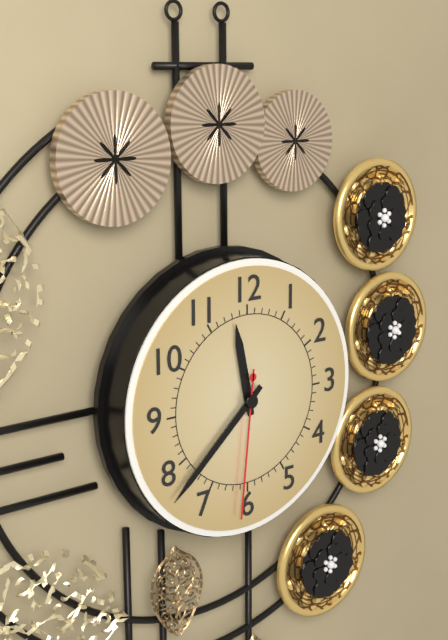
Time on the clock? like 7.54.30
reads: 11.38.31
